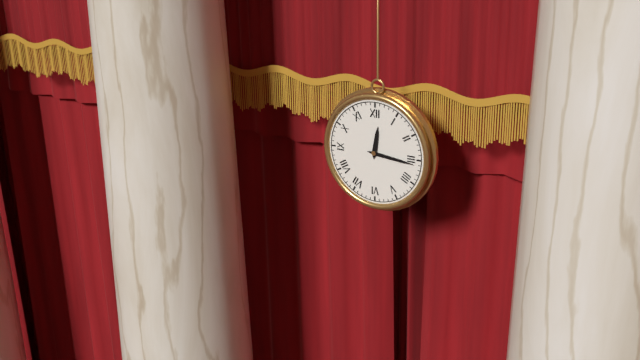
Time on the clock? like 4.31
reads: 12.16
